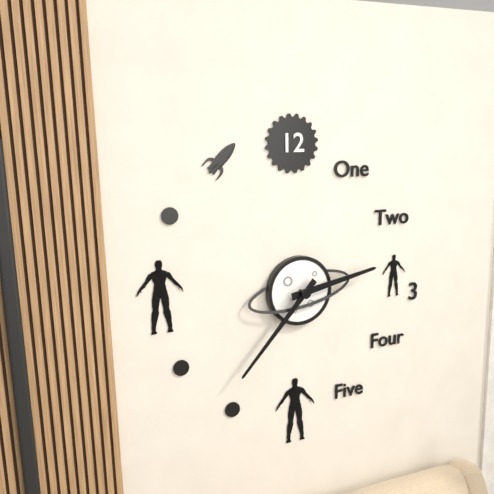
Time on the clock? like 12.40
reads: 2.37
